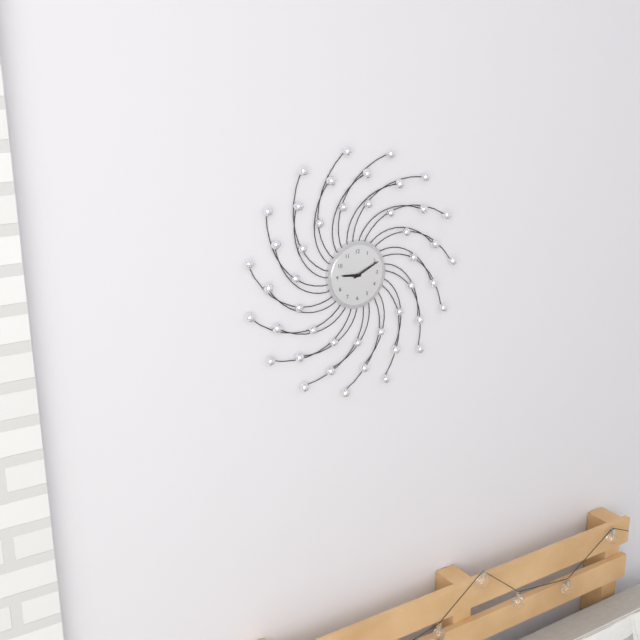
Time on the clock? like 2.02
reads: 9.11
